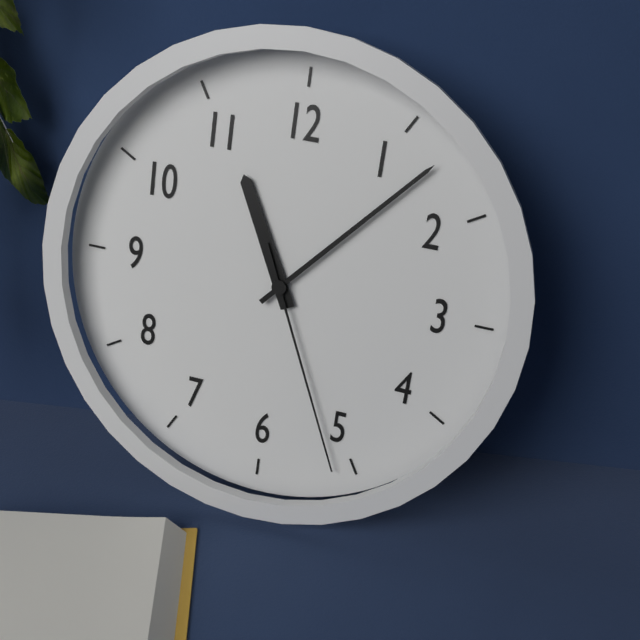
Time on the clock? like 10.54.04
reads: 11.07.26
